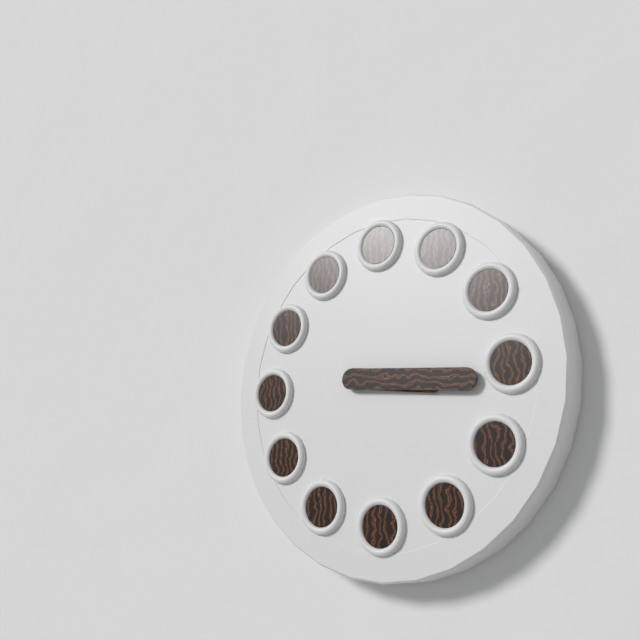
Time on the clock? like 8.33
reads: 3.16
